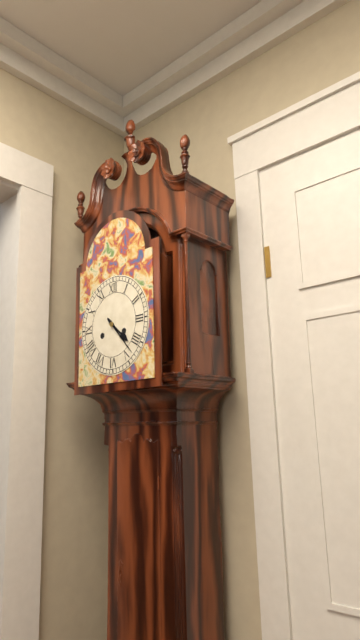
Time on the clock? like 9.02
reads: 4.23
